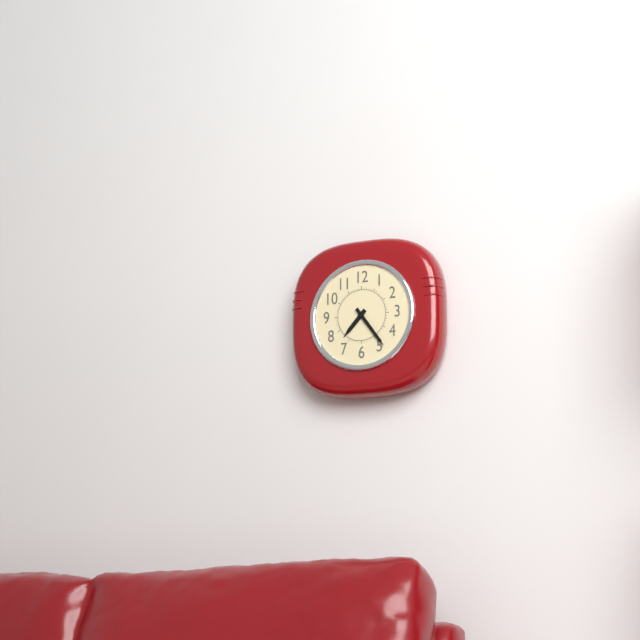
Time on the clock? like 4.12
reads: 7.24
